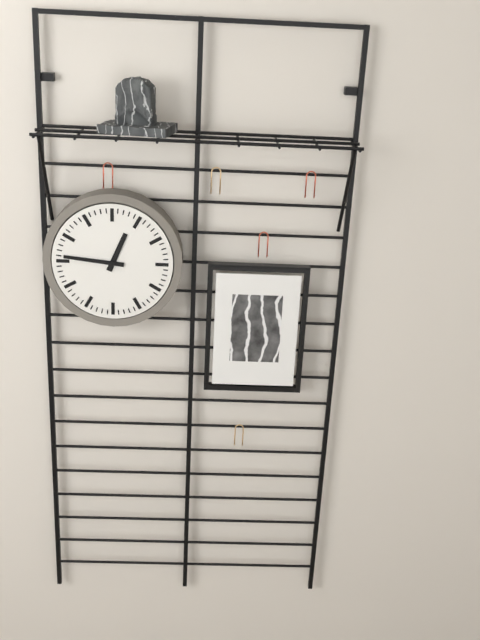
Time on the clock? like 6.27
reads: 12.46
